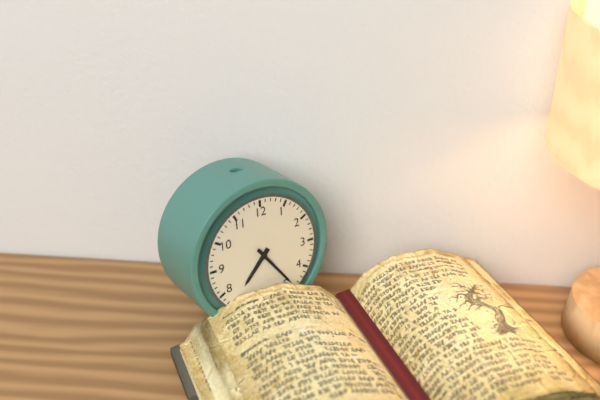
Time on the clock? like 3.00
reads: 7.24
